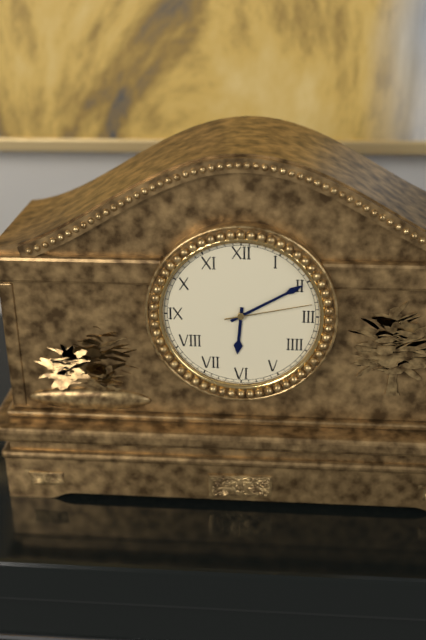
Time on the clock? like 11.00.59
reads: 6.10.13
